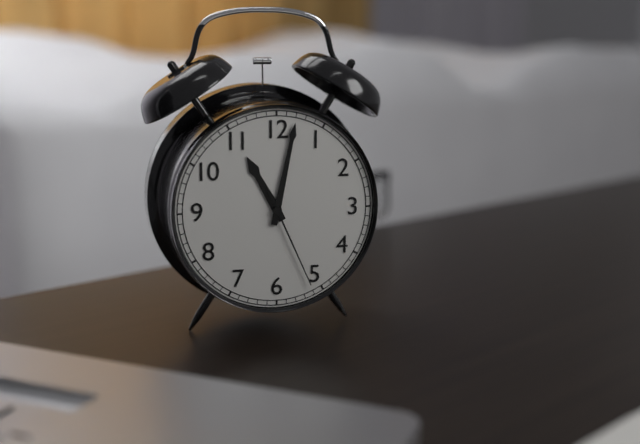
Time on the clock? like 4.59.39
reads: 11.02.26
